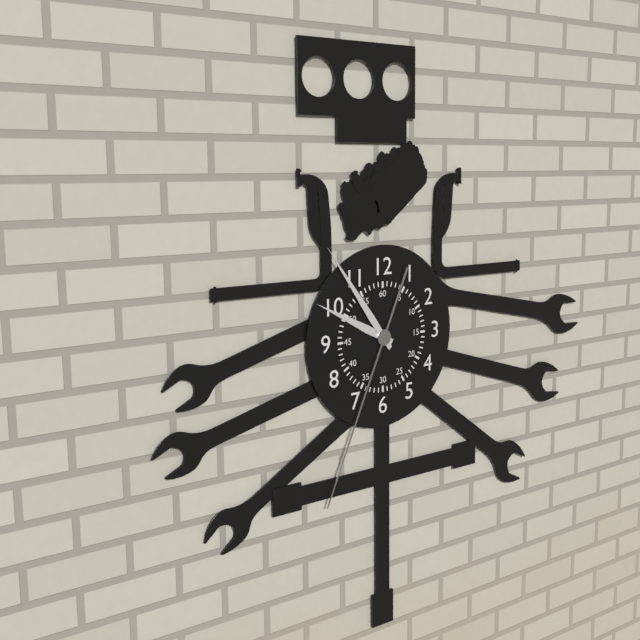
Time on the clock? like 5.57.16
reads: 9.54.34
